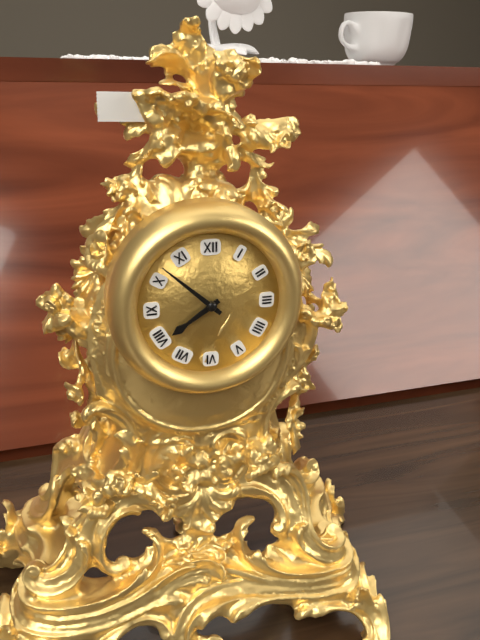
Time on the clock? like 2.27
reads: 7.52
